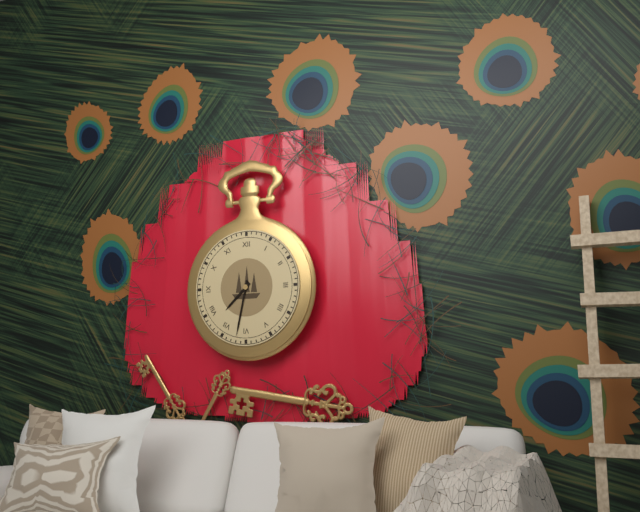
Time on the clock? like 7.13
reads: 7.32
